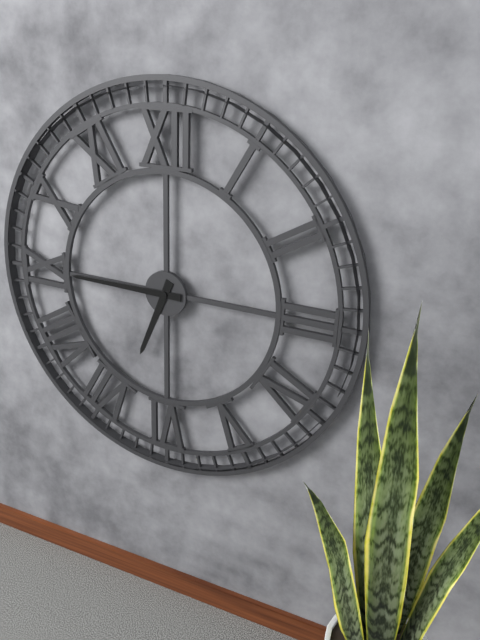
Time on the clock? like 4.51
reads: 6.45
